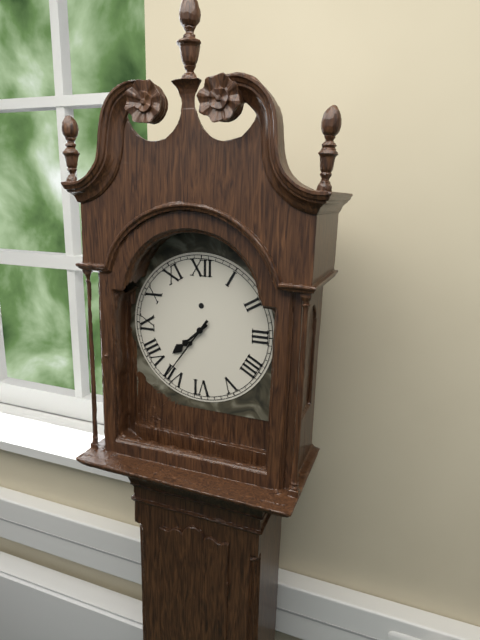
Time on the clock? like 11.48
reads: 7.36
